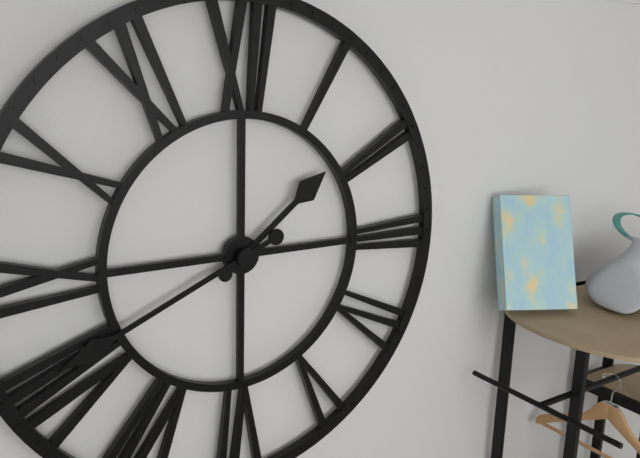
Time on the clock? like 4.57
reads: 1.41
